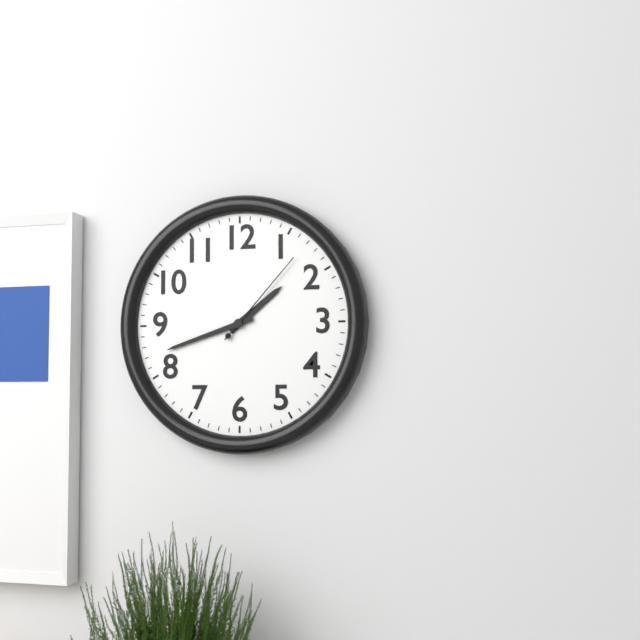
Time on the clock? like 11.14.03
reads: 1.42.07
